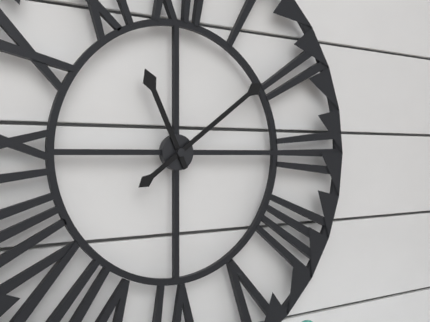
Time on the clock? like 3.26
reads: 11.09
